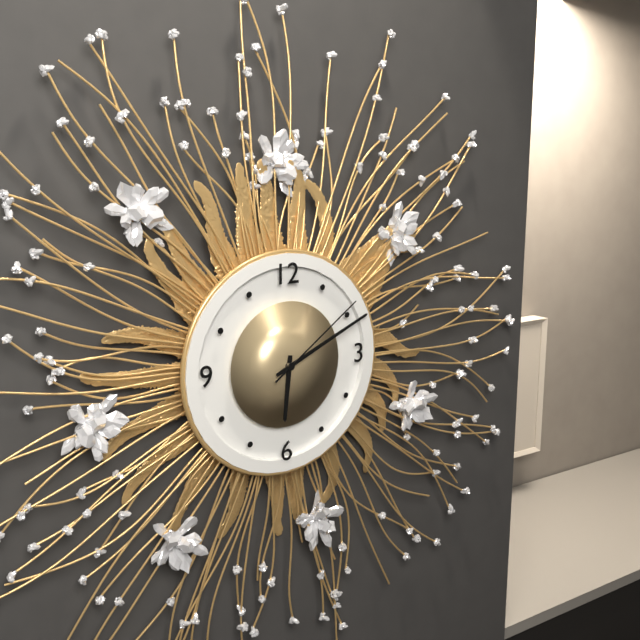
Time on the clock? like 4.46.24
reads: 6.11.09
